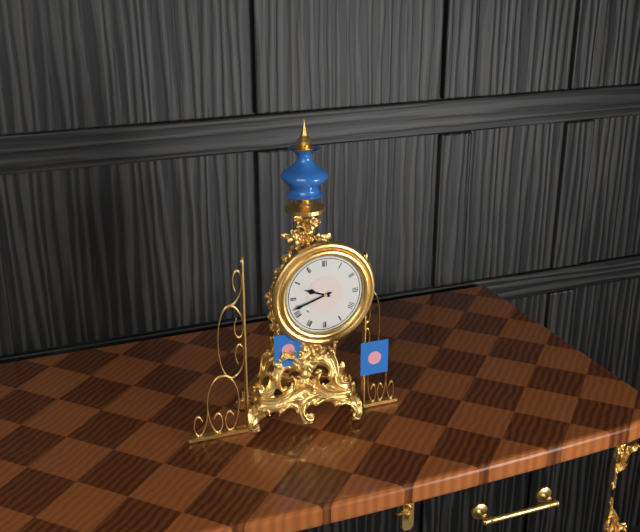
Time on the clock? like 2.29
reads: 9.42
